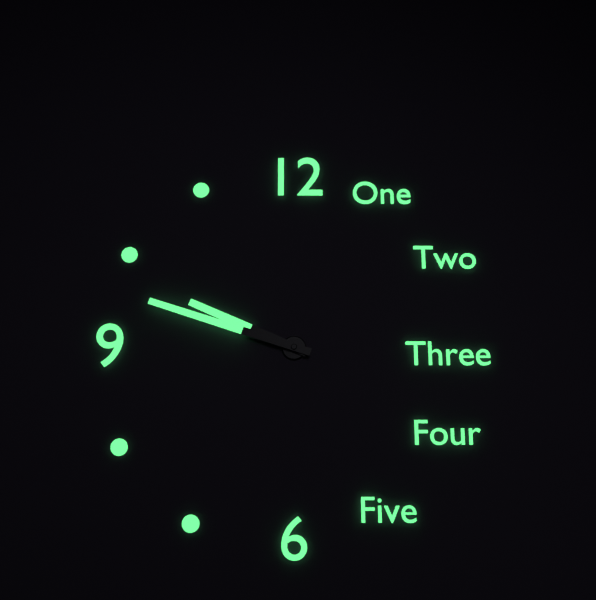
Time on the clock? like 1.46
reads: 9.48
